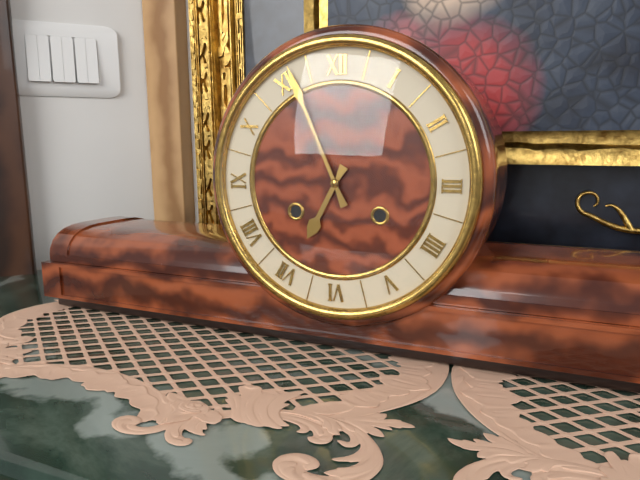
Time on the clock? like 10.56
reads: 6.56
